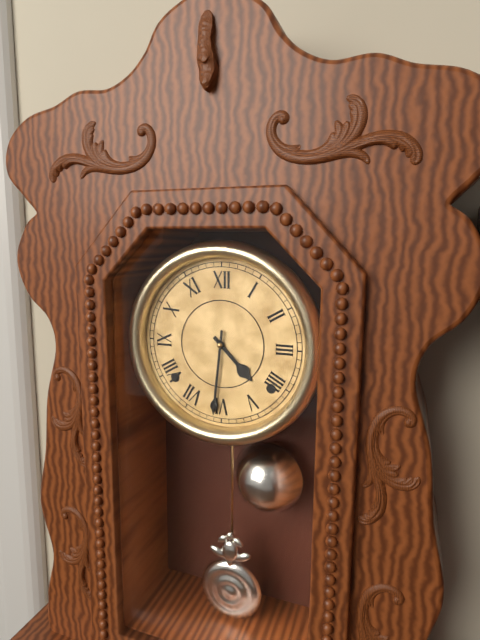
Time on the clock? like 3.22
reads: 4.31
